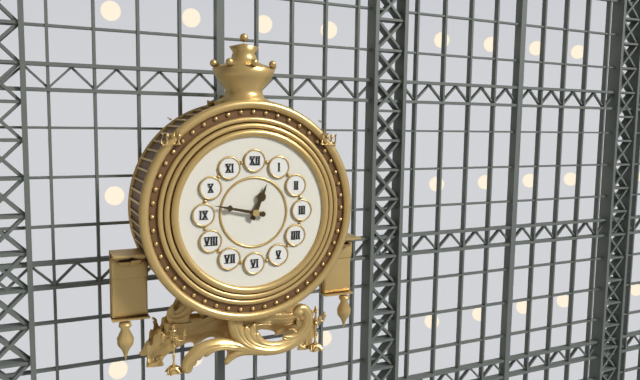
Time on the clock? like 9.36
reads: 12.47
